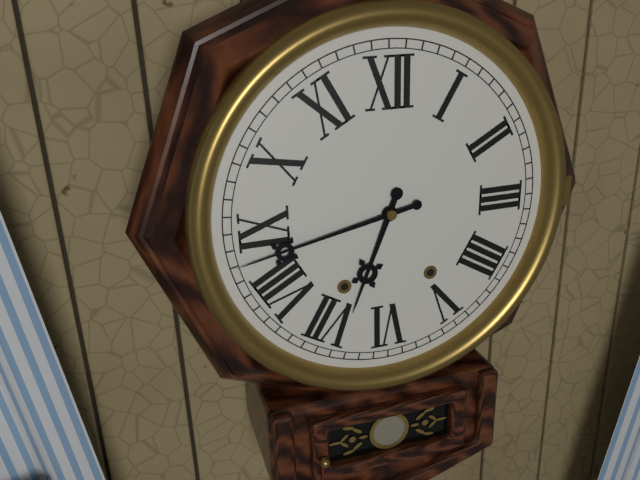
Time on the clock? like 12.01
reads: 6.43
